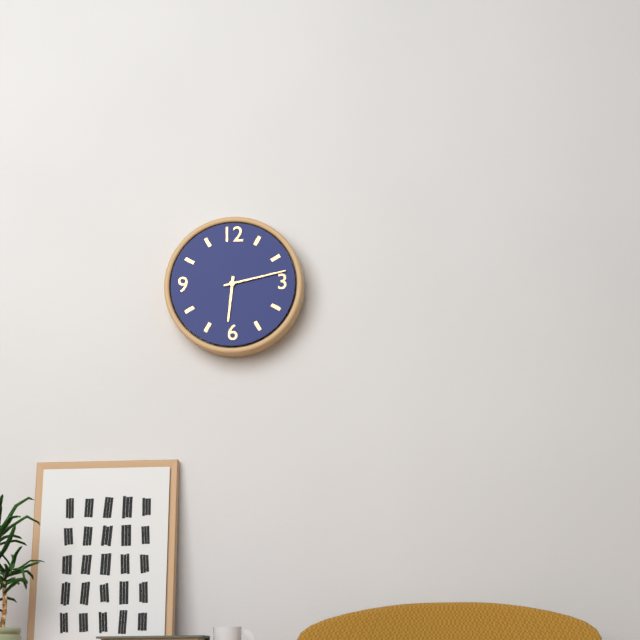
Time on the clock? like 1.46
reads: 6.13
